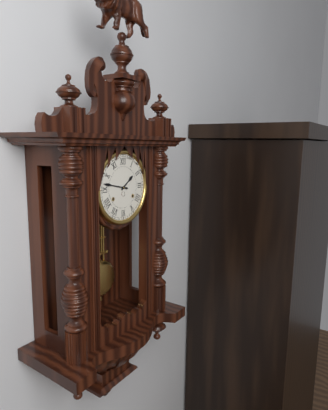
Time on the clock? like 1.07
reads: 1.47
